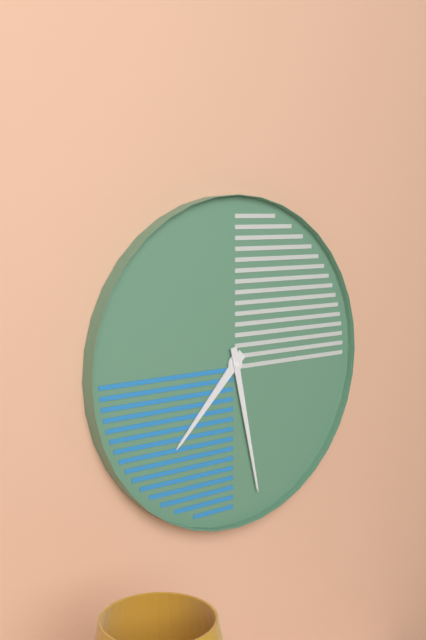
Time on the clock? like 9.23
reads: 7.28
